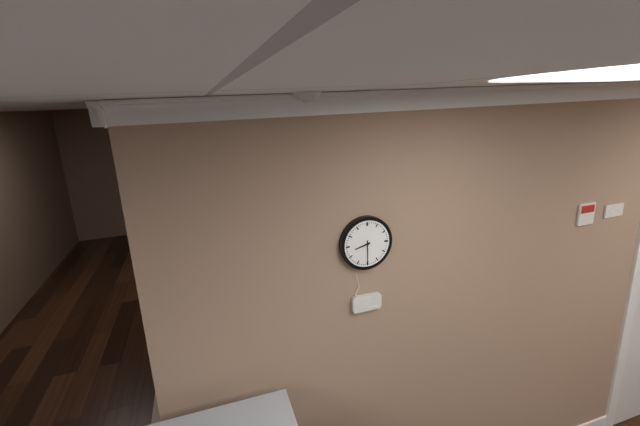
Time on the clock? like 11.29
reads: 8.30
